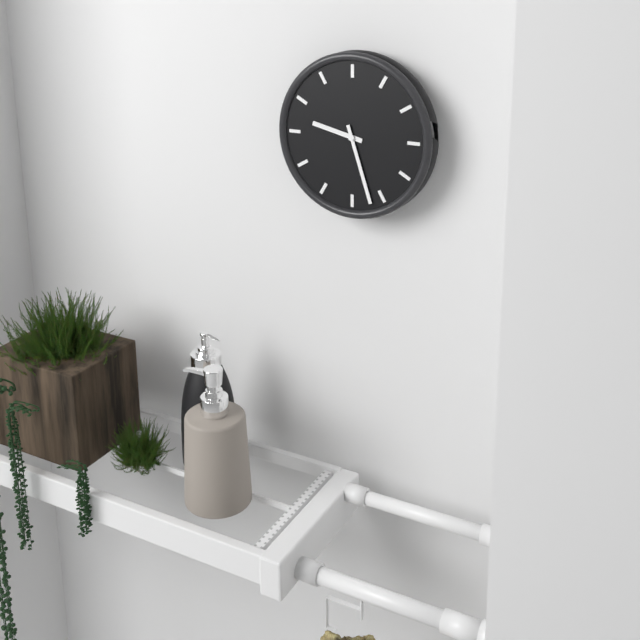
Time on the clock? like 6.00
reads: 9.27
